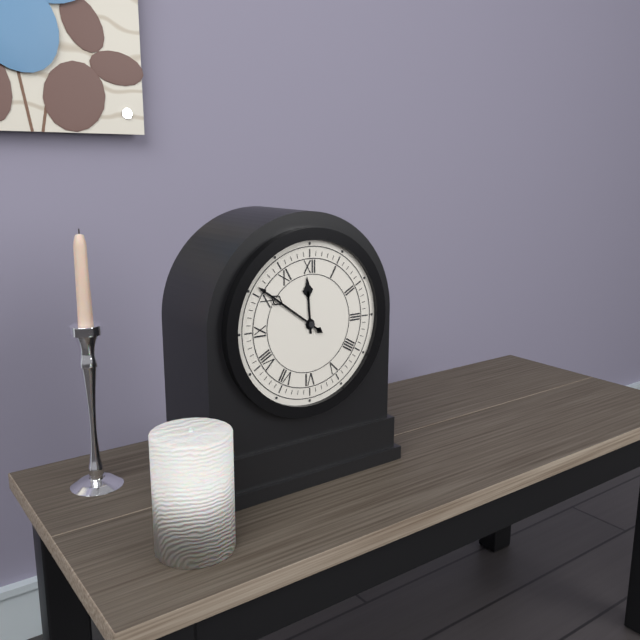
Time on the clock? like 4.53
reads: 11.51
